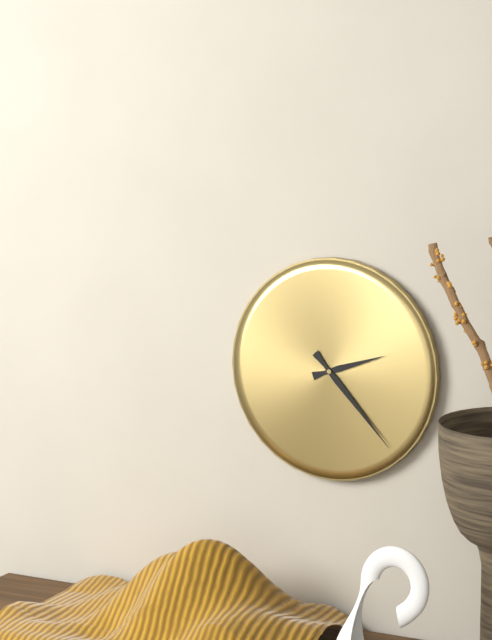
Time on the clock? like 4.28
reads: 2.23
